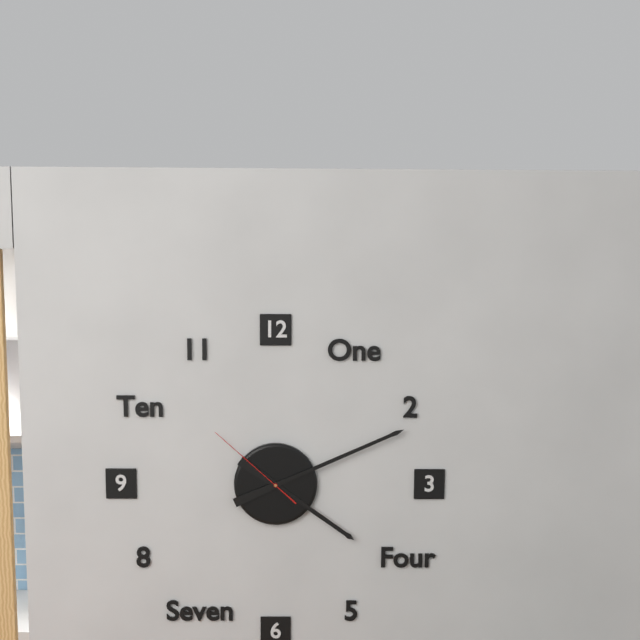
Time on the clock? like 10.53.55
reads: 4.11.52
